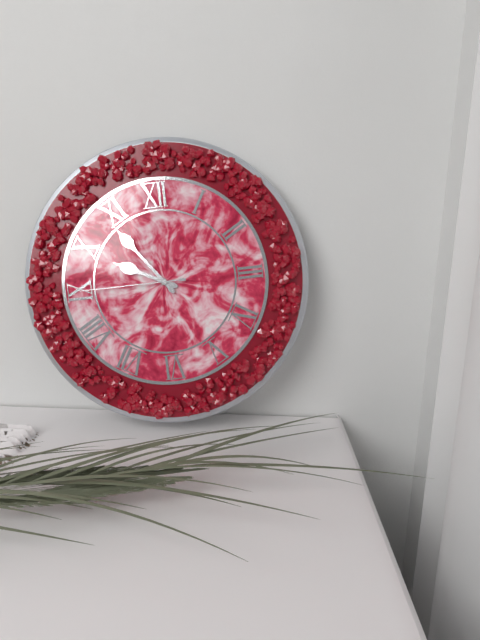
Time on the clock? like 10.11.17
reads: 9.54.45
